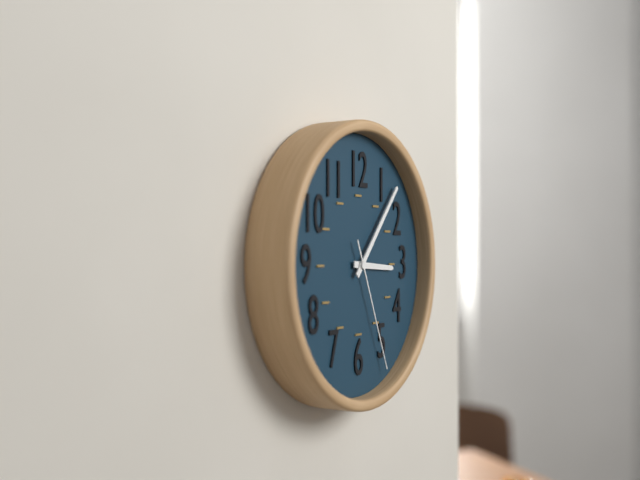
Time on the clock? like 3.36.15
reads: 3.07.26
